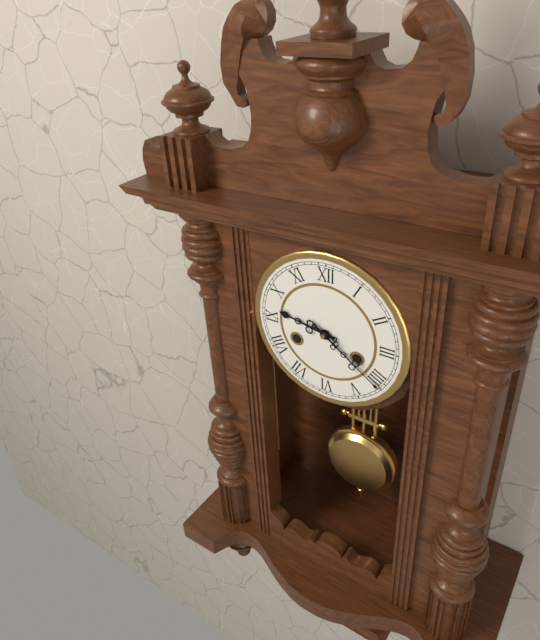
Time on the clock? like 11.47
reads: 9.21
